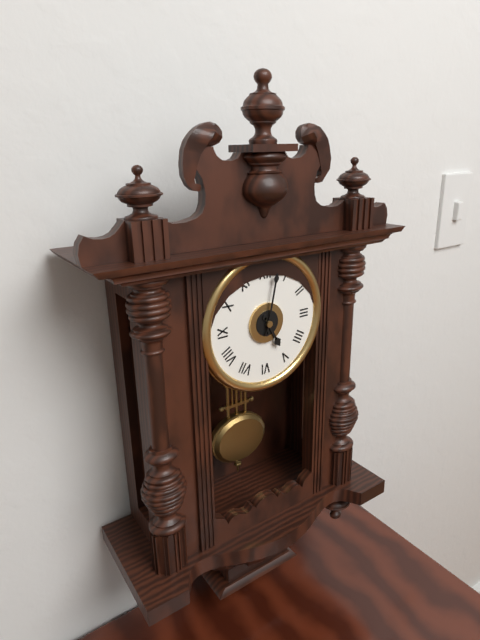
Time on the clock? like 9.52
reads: 5.02
